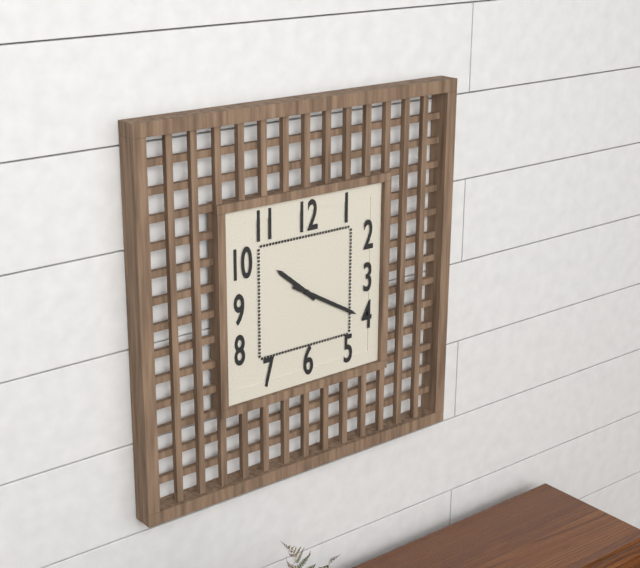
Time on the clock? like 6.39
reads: 10.20
